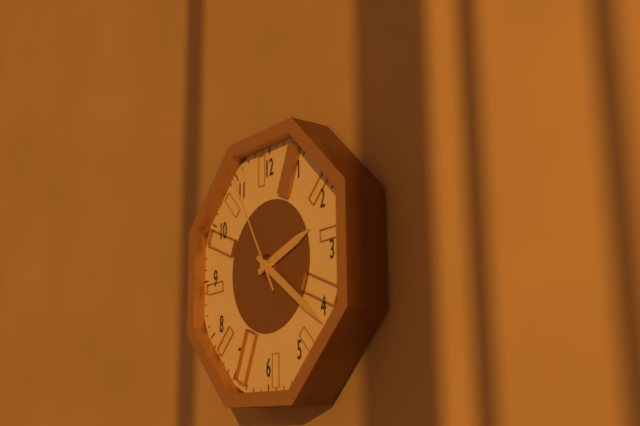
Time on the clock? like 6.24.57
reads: 2.21.55
